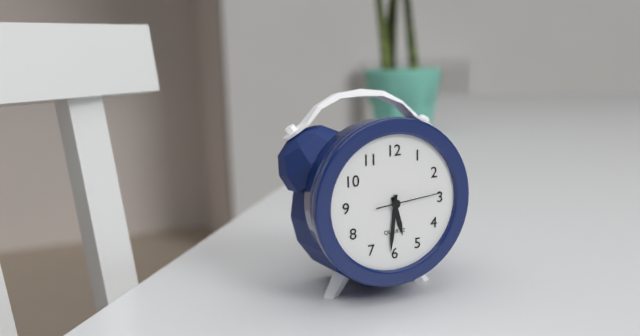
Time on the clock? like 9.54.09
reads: 5.31.14
